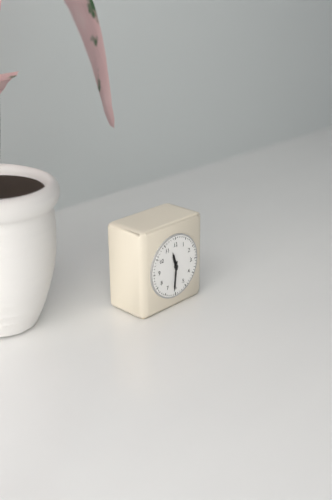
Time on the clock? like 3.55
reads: 11.31
